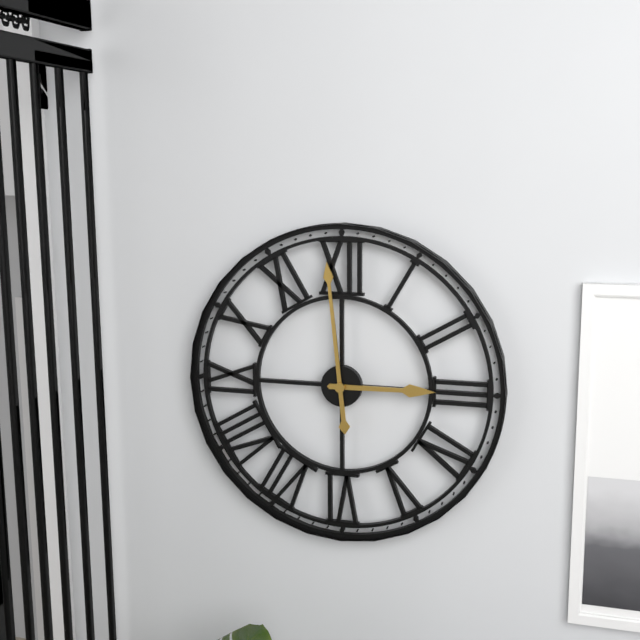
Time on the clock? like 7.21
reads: 2.59
